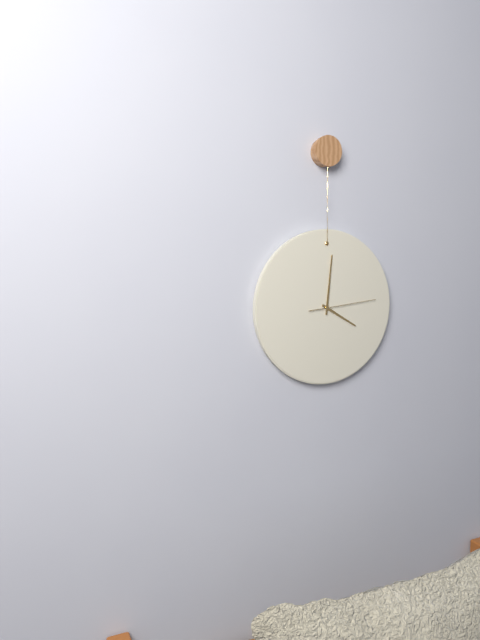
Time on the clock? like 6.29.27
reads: 4.01.14
